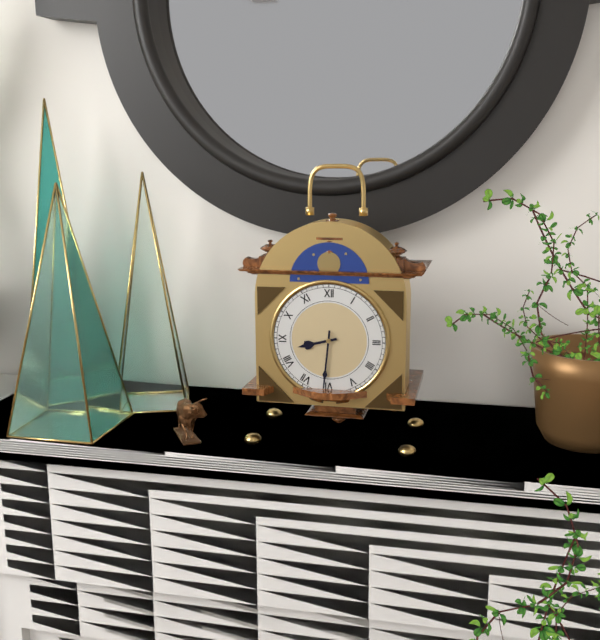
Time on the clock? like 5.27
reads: 8.31
